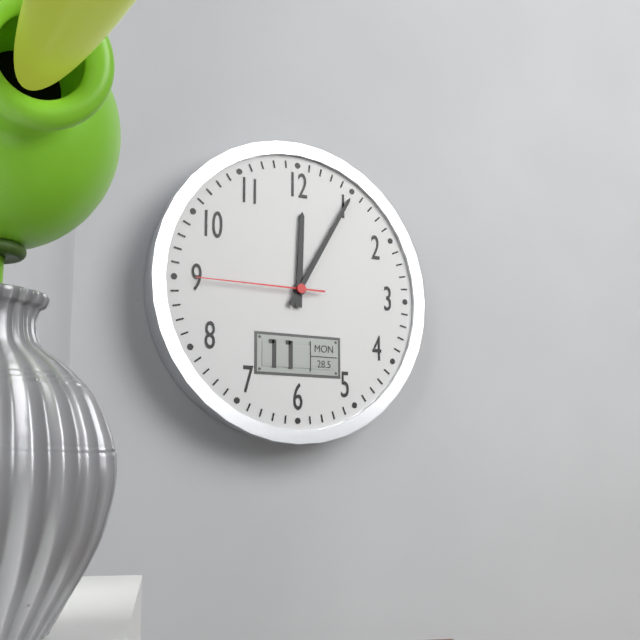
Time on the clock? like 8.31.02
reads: 12.05.45
